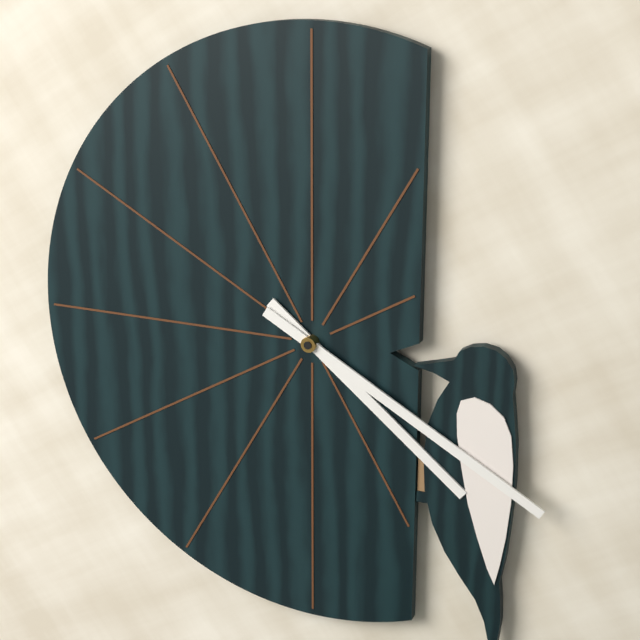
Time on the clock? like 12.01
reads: 4.20
